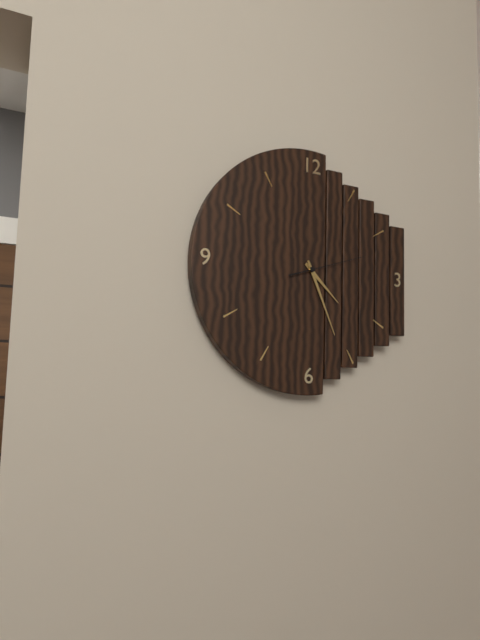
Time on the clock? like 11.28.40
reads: 4.26.12
